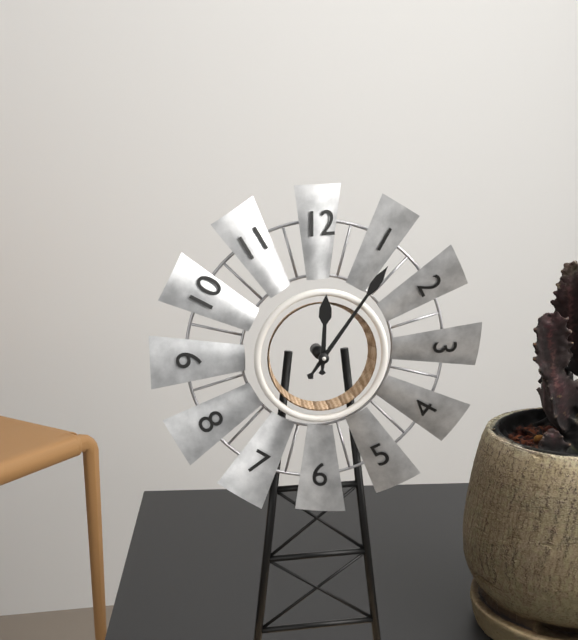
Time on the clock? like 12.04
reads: 12.06
